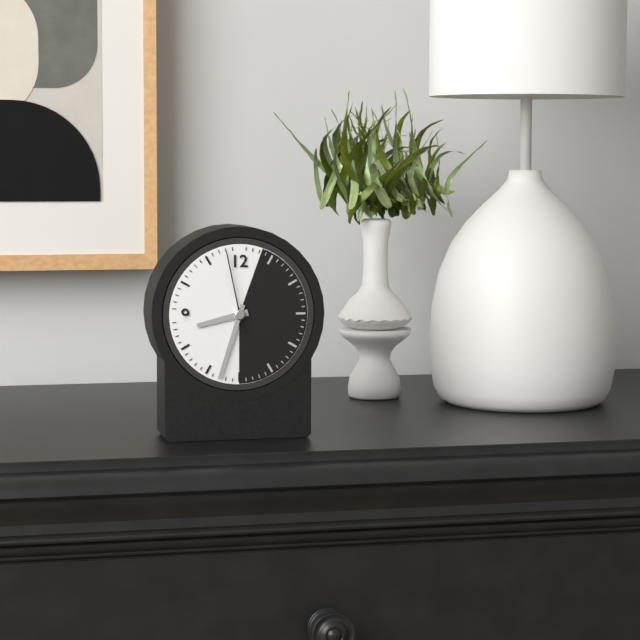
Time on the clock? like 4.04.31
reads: 8.33.58
